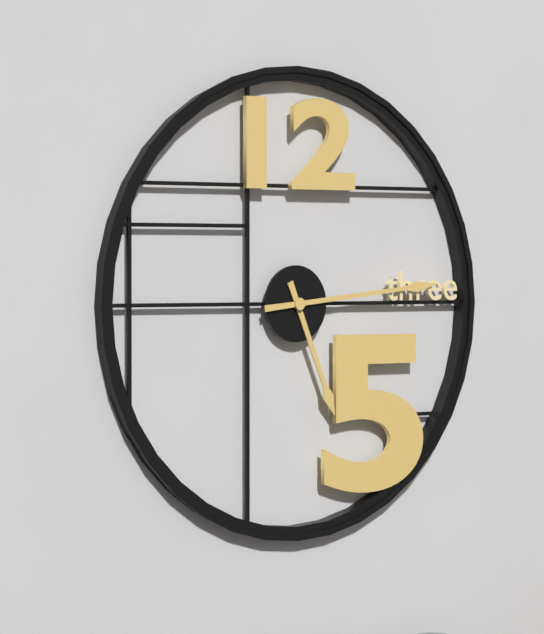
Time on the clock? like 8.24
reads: 5.14
